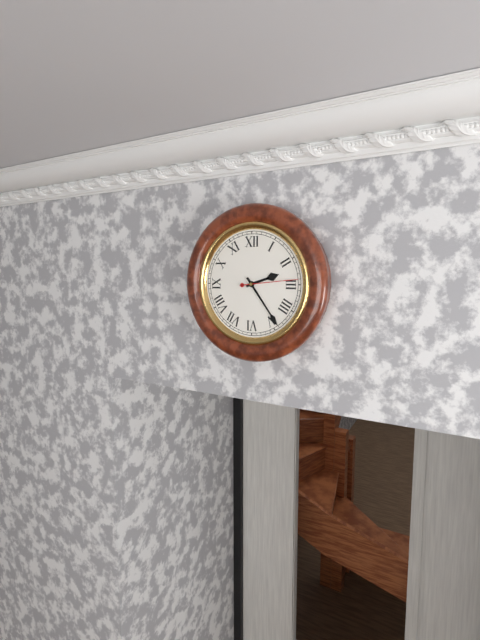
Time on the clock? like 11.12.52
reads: 2.24.14
